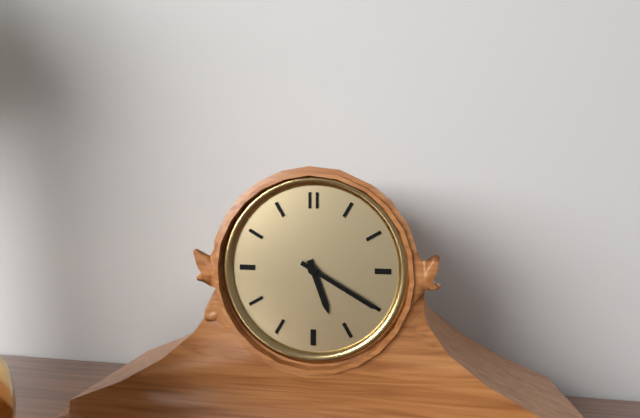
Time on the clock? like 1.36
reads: 5.20
